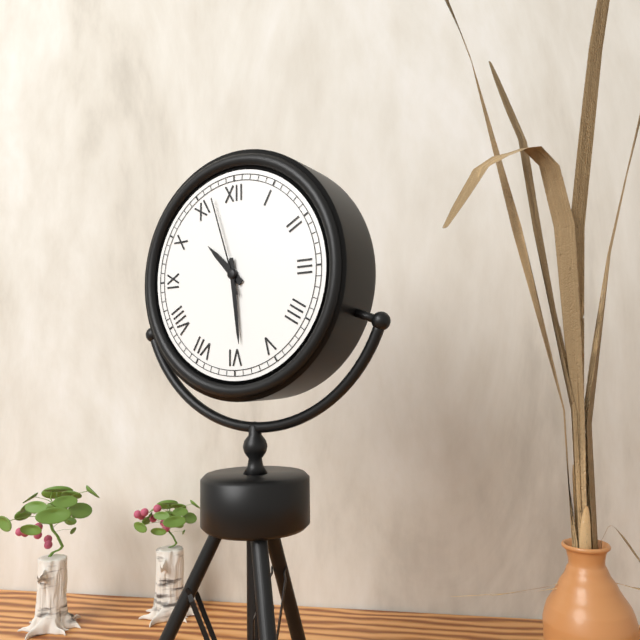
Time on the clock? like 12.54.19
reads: 10.29.57
